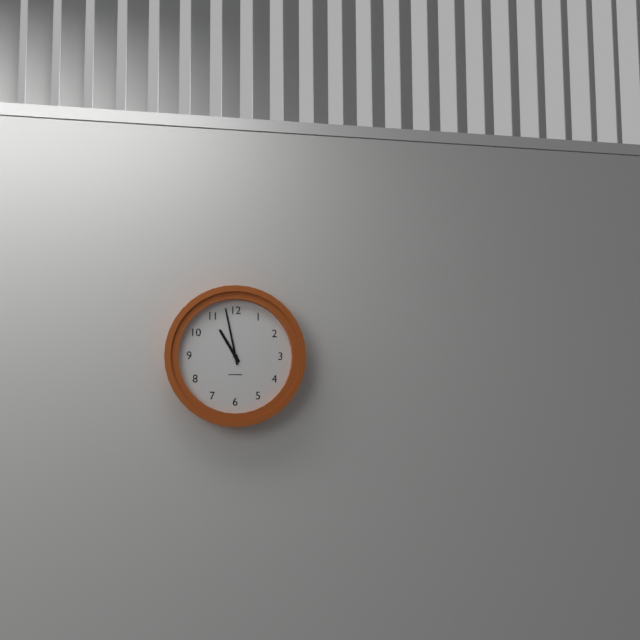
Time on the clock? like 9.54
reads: 10.58
